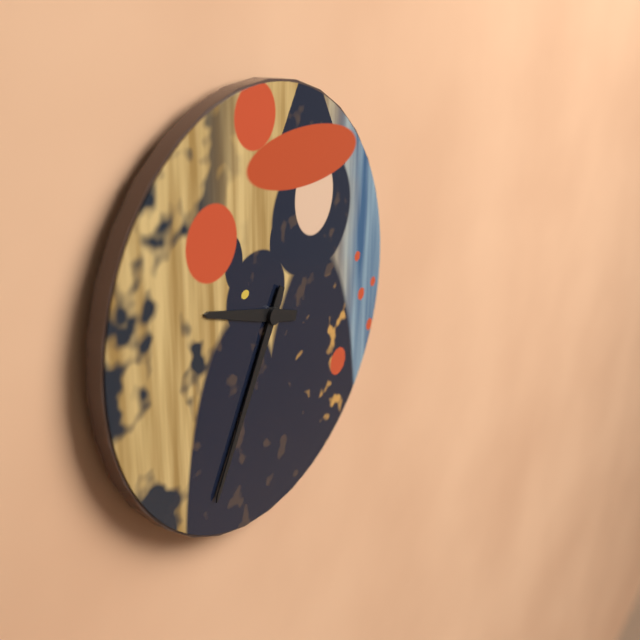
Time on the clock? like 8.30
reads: 9.35
